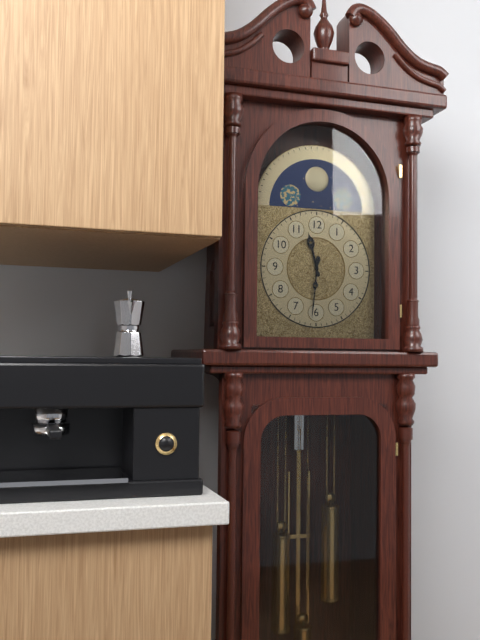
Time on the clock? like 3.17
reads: 11.31
